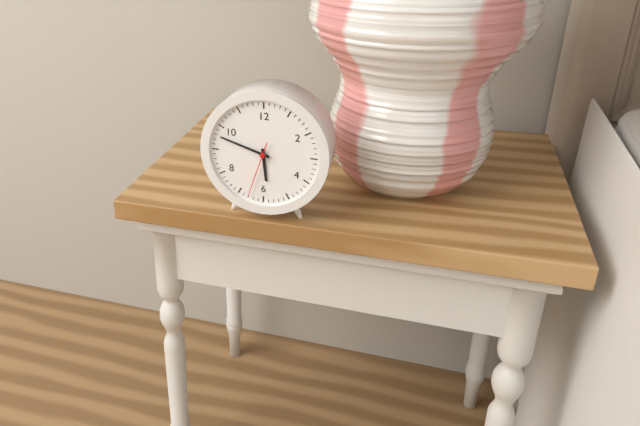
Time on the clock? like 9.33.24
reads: 5.48.33
